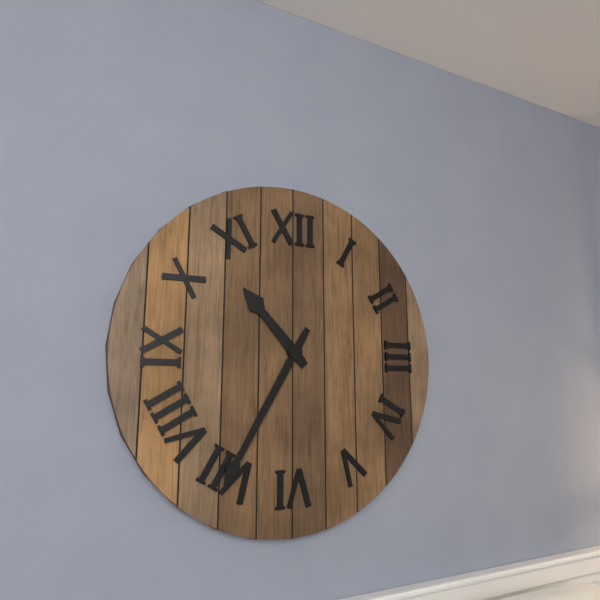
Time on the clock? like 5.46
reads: 10.35
